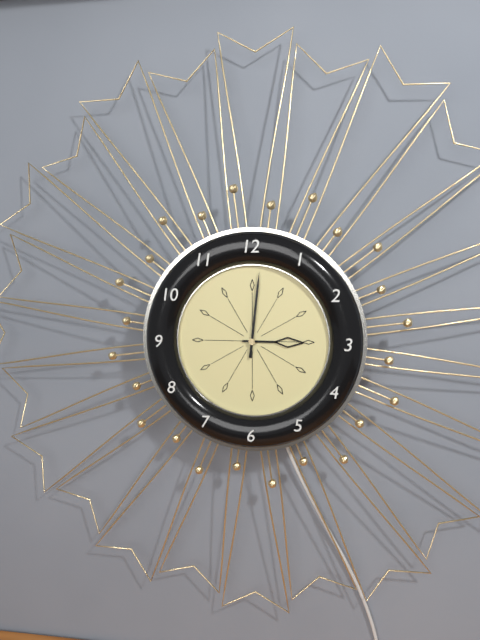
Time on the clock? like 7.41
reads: 3.01
